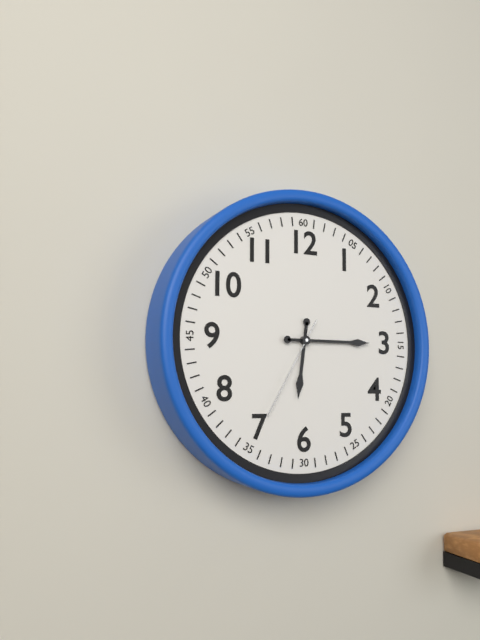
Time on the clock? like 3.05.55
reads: 6.15.35
